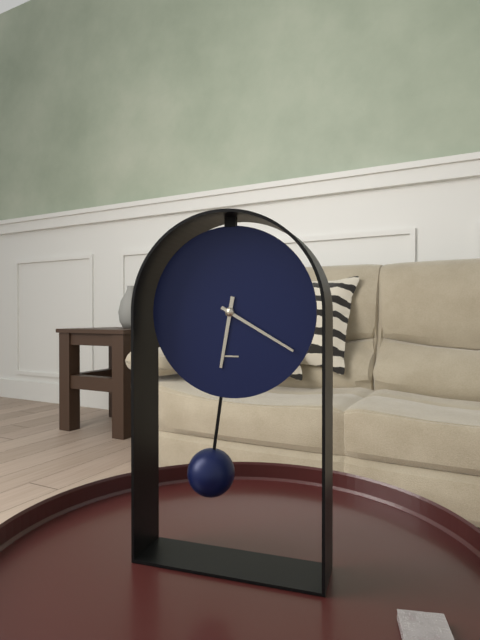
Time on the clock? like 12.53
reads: 6.20
